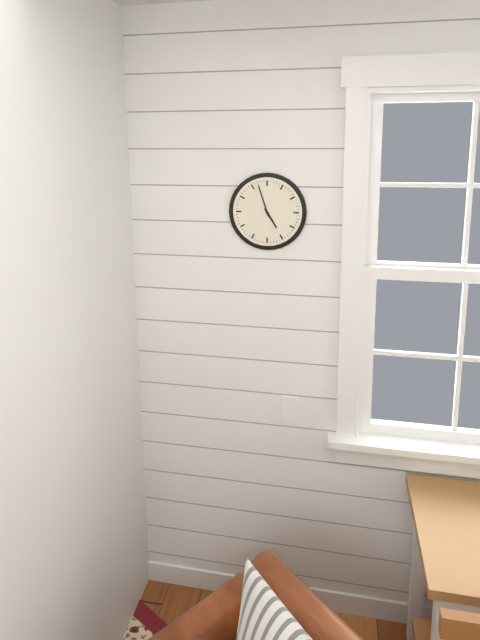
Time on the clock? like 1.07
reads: 4.57
